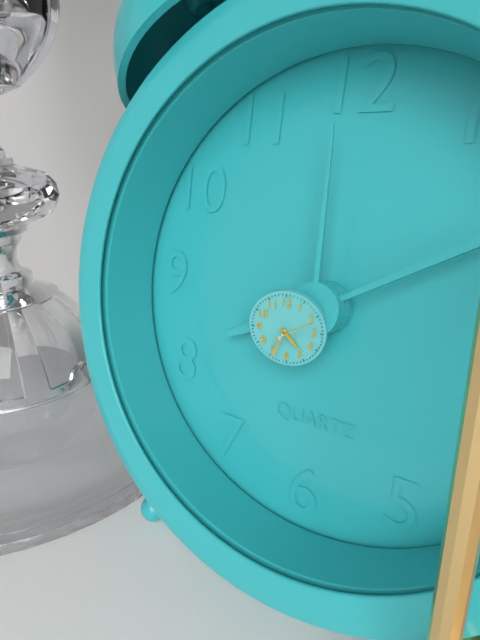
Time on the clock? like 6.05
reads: 4.34
